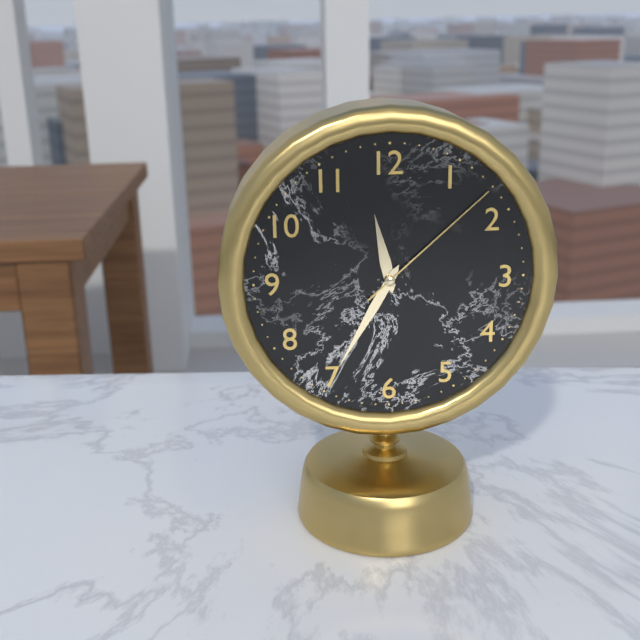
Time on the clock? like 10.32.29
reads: 11.35.08
